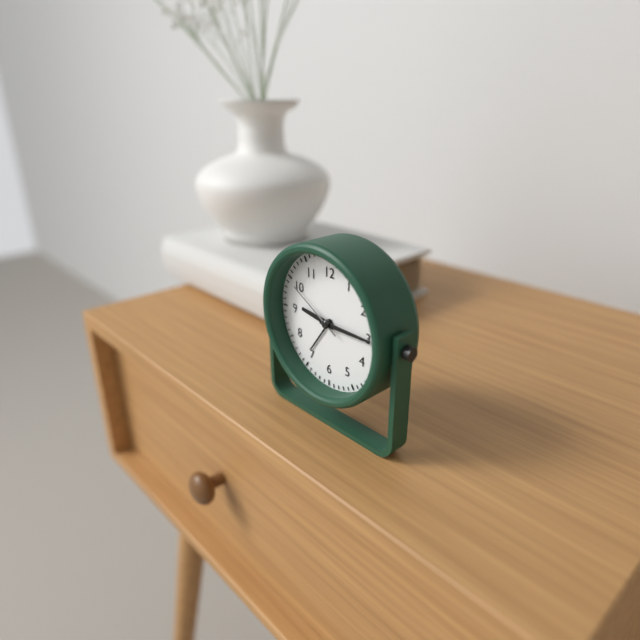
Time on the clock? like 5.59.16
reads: 9.15.50
